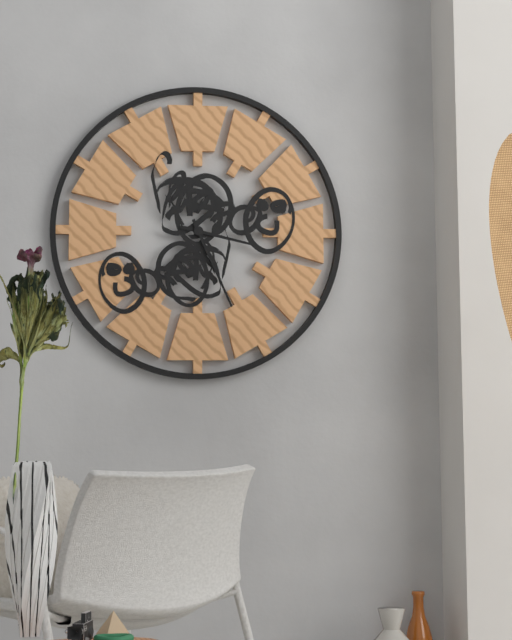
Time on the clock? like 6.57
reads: 3.26
